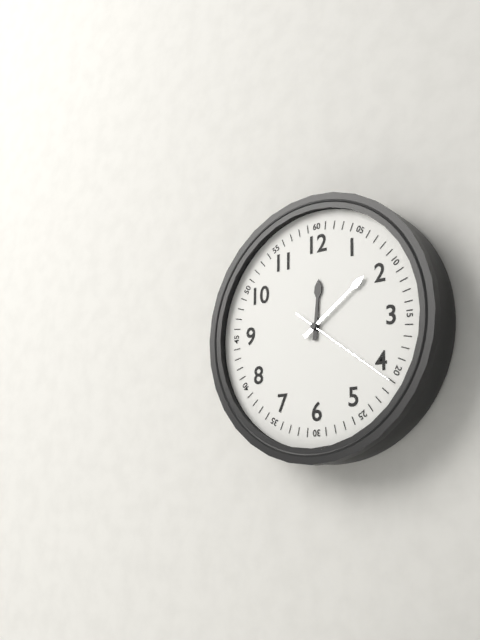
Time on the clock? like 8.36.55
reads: 12.09.21
